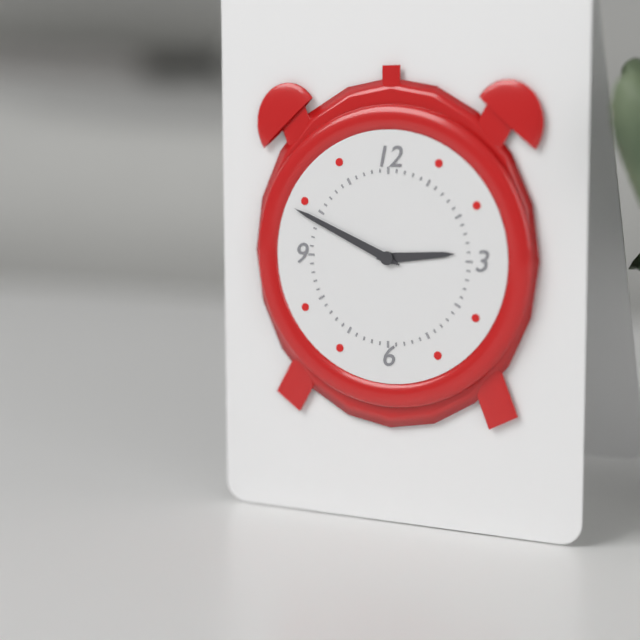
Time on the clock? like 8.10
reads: 2.49
